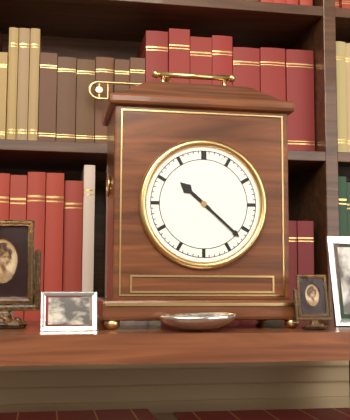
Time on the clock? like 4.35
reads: 10.22
